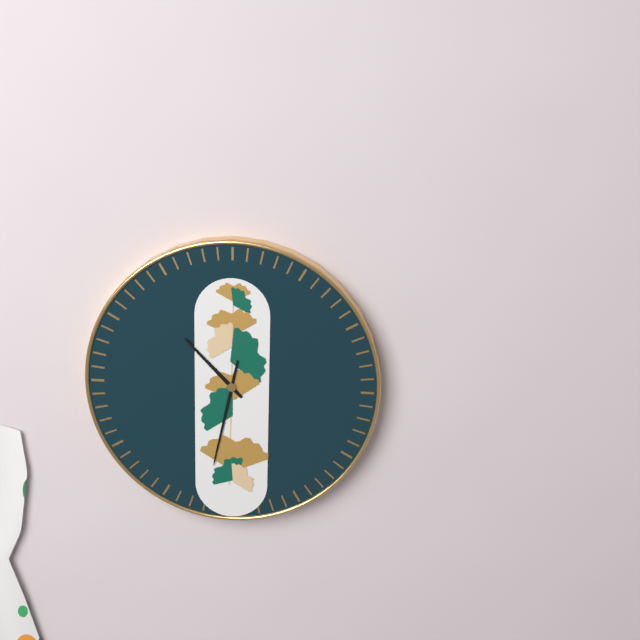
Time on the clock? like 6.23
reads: 10.32
